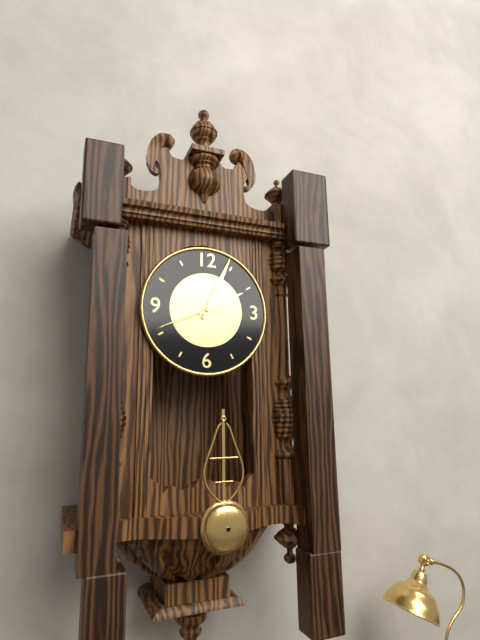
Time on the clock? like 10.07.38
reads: 2.04.41
